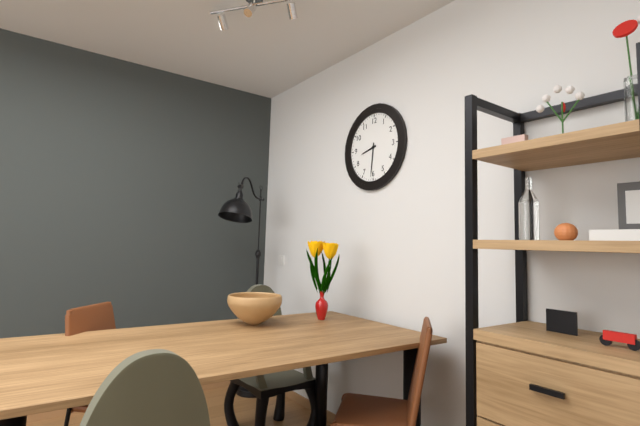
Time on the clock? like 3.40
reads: 8.31
